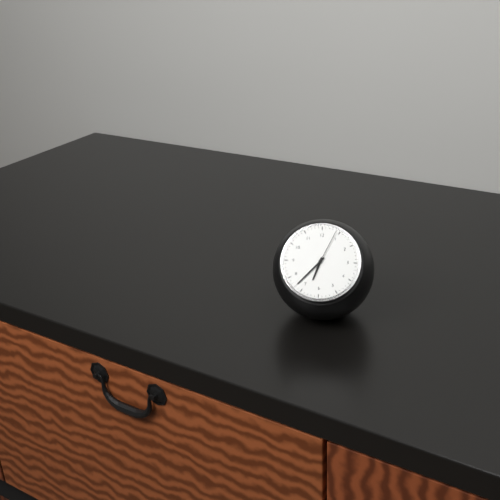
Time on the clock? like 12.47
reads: 6.37
